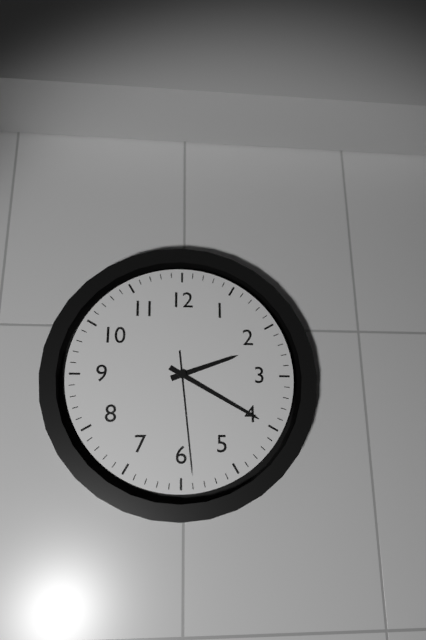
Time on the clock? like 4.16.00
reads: 2.20.29
